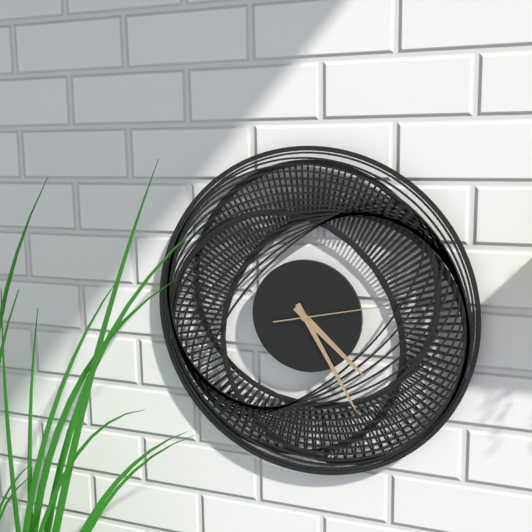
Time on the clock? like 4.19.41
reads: 4.25.13
